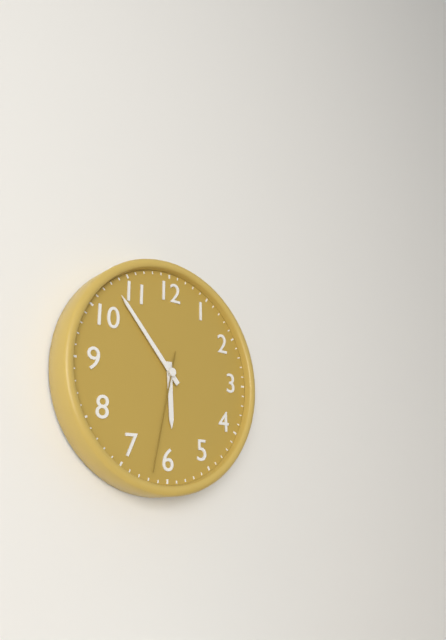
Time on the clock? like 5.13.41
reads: 5.53.32
